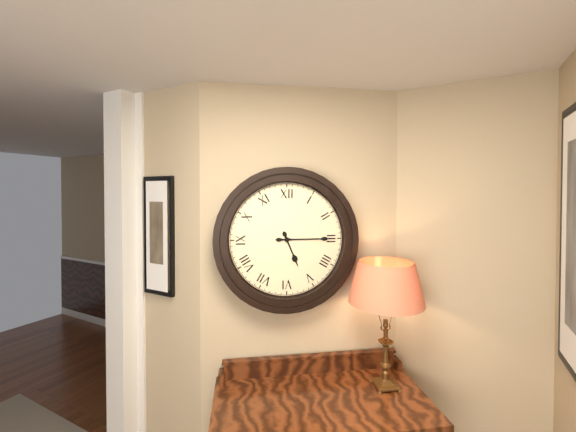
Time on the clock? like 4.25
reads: 5.15
